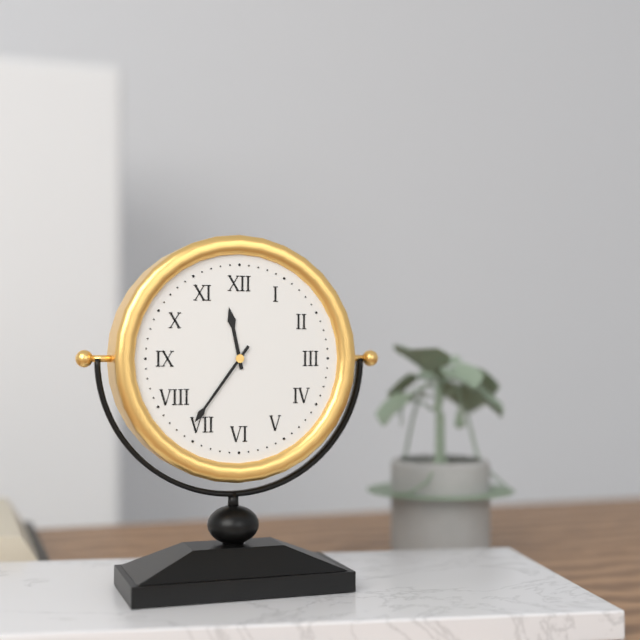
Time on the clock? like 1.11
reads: 11.36
